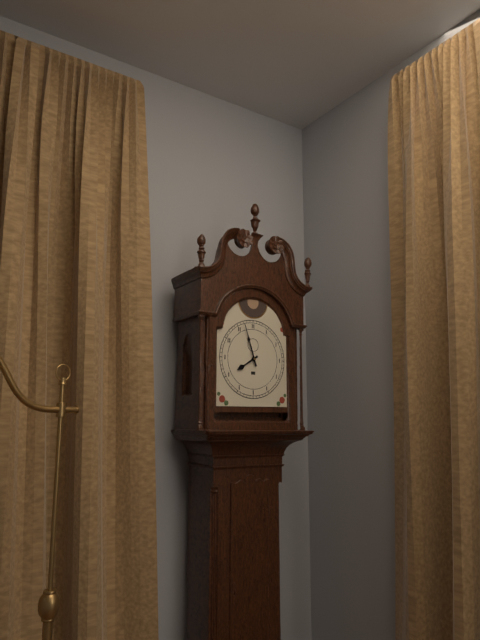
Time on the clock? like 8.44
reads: 7.57
